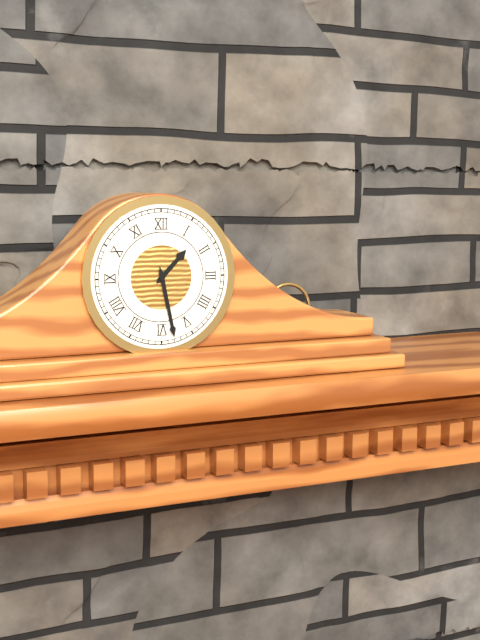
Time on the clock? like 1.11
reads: 1.28
